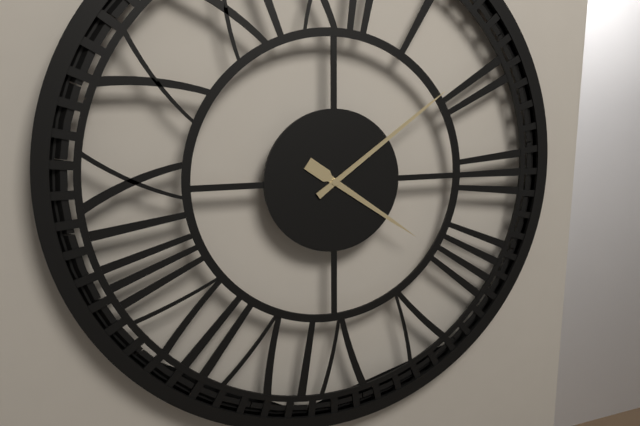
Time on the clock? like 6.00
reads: 4.09
